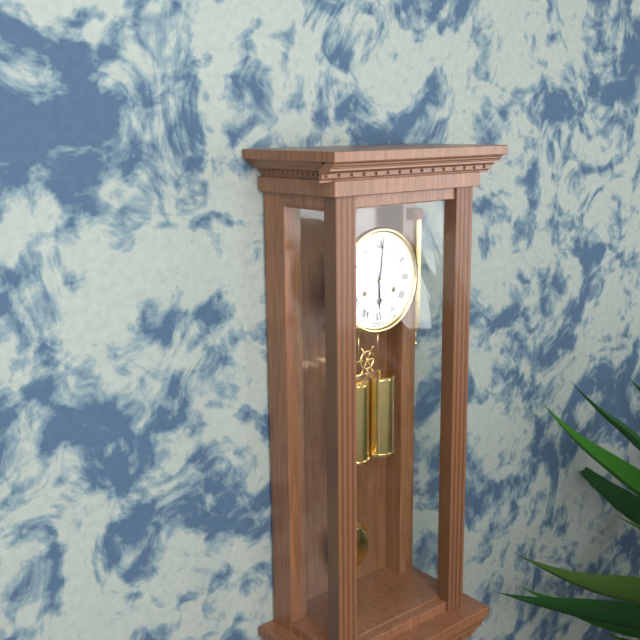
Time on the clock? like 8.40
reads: 6.01
